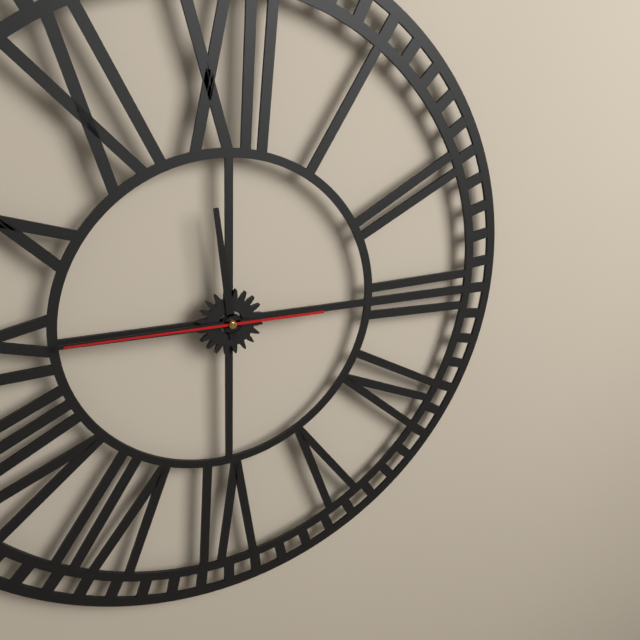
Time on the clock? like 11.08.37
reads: 11.45.45
